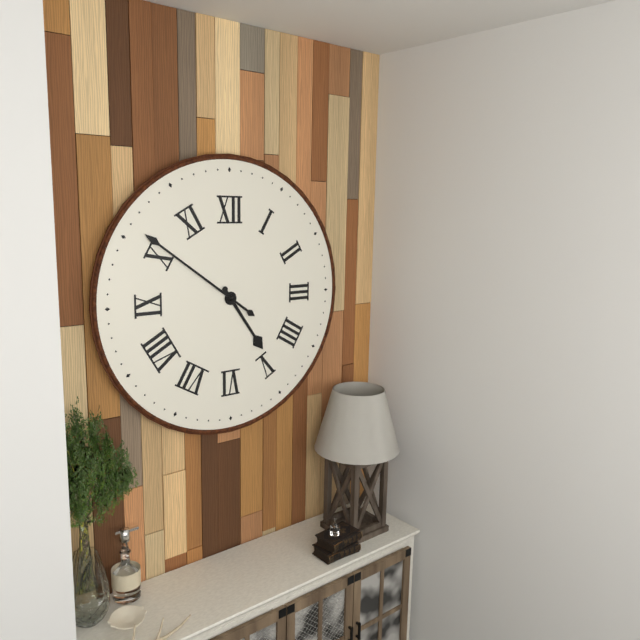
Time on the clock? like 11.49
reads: 4.51
